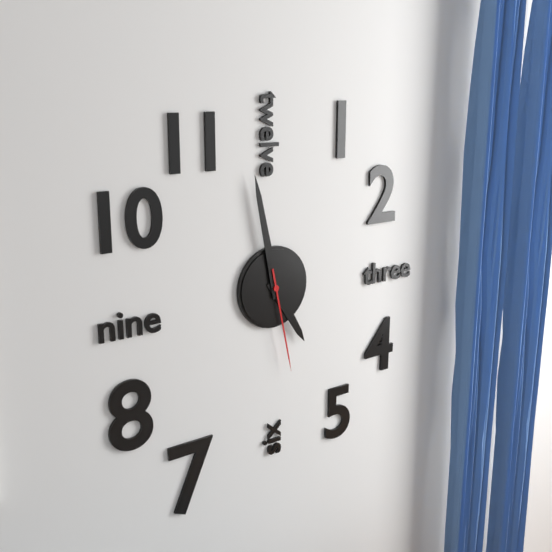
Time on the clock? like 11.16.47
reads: 4.58.28
